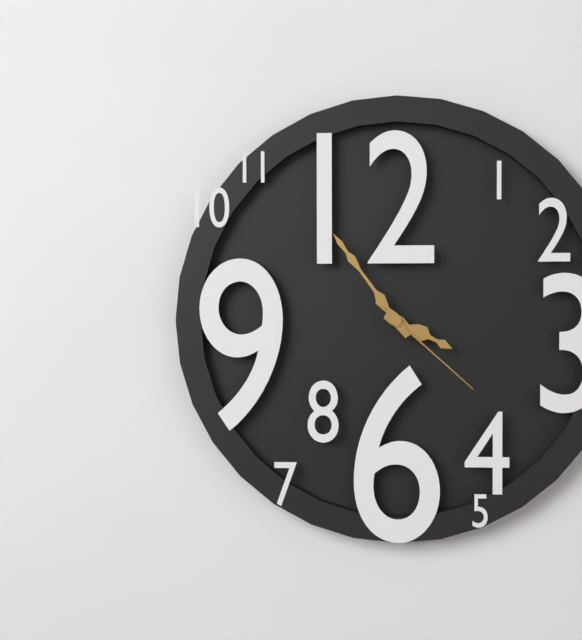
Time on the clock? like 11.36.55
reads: 3.54.22
